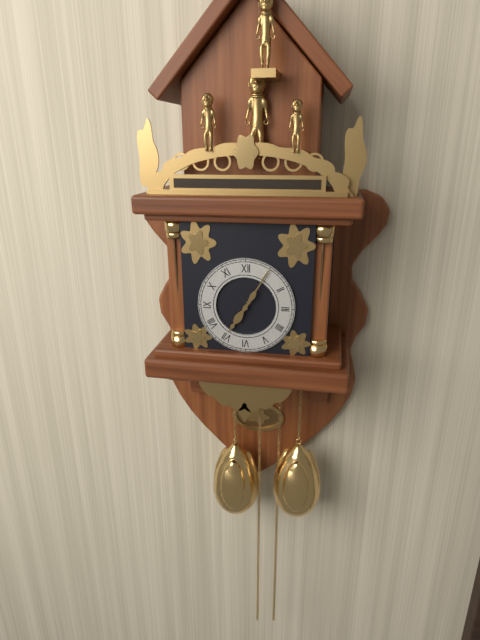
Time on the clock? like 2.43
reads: 7.05
